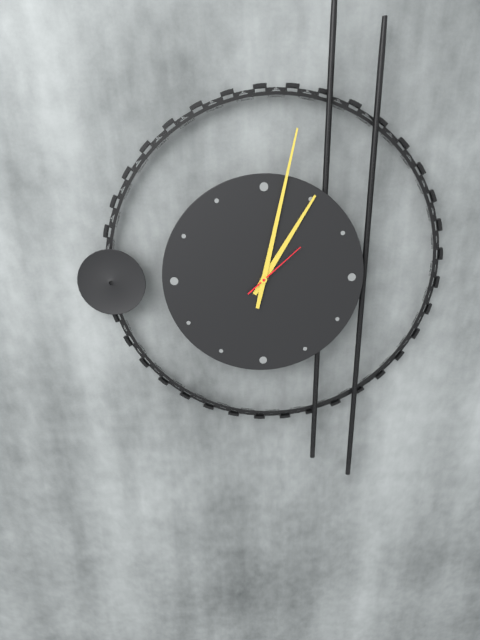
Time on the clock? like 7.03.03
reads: 1.02.08
